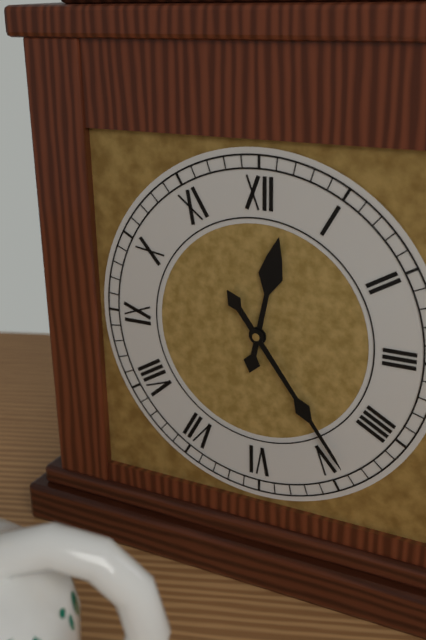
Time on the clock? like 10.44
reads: 12.24
